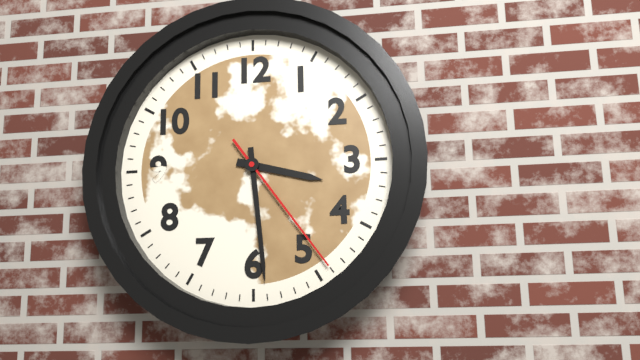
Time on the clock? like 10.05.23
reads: 3.29.24
